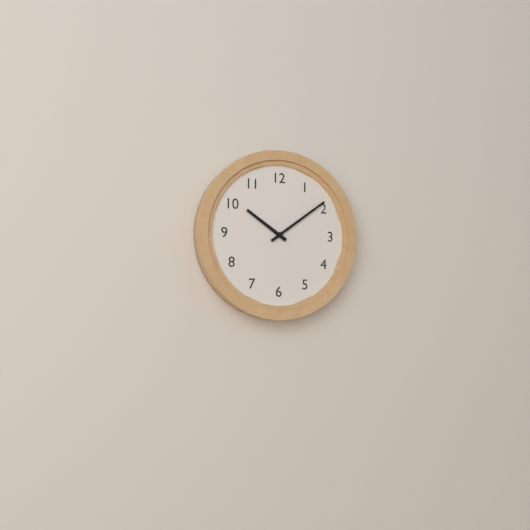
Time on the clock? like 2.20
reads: 10.09
